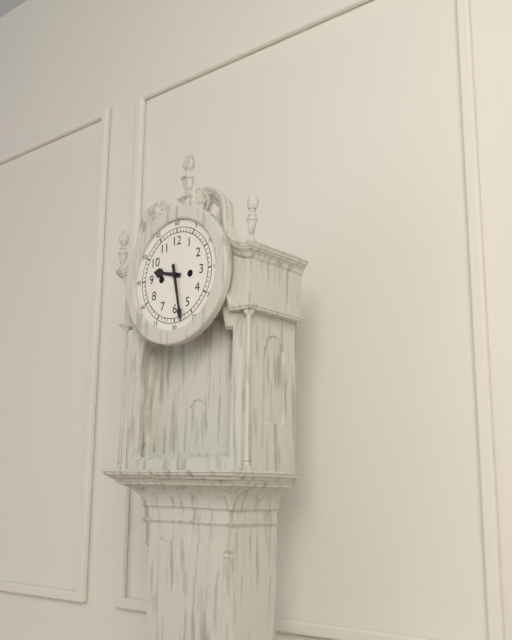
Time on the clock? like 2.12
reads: 9.28
